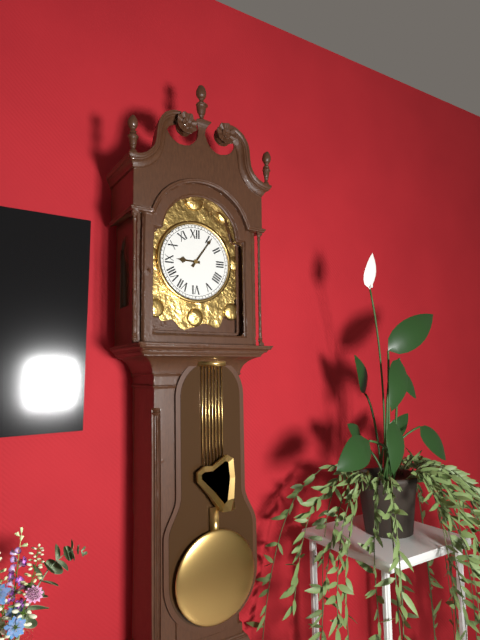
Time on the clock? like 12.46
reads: 9.06
